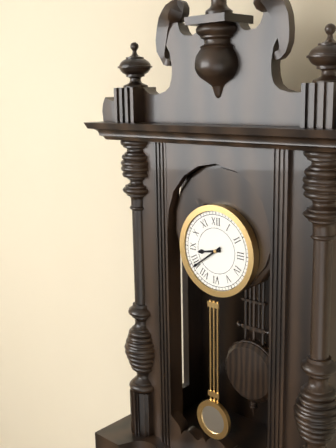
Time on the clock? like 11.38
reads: 8.39
